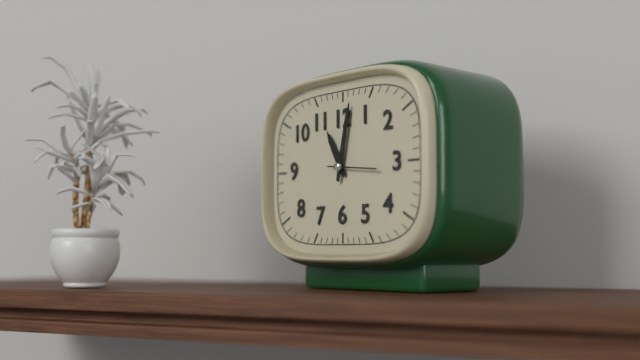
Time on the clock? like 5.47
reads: 11.02
